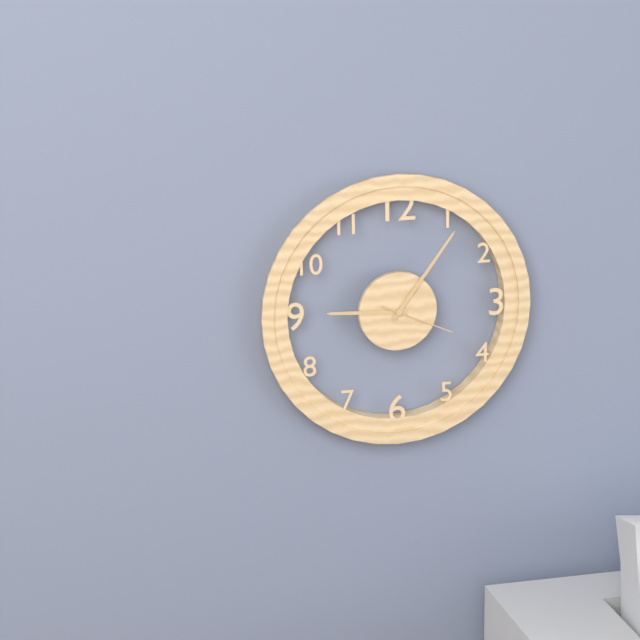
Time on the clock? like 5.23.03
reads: 9.06.19
